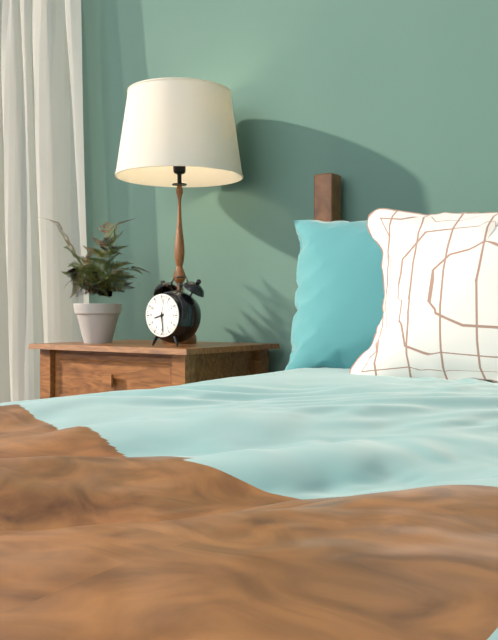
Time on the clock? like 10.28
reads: 8.29
